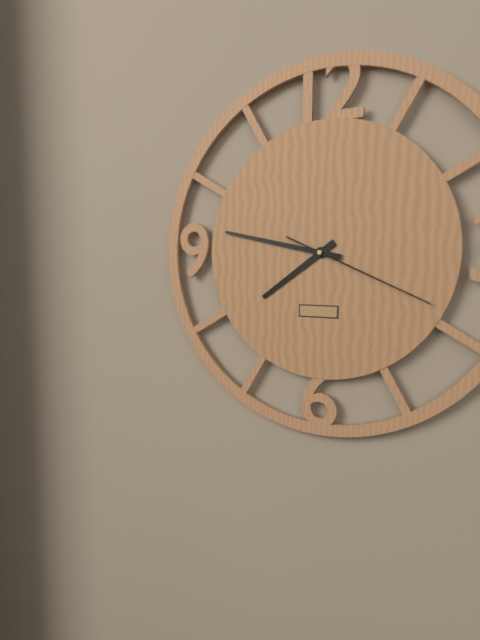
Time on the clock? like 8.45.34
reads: 7.47.19
